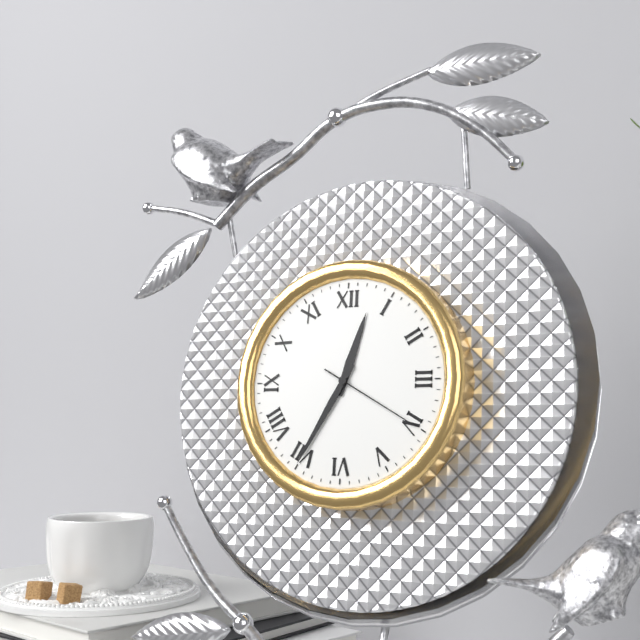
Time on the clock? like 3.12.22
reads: 12.35.20
